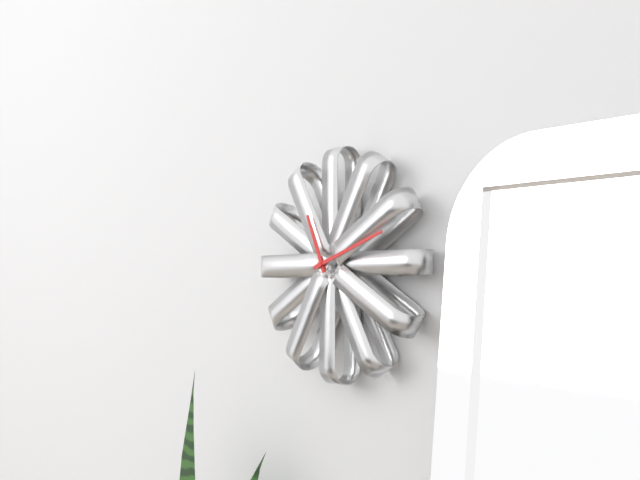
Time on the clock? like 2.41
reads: 11.12
